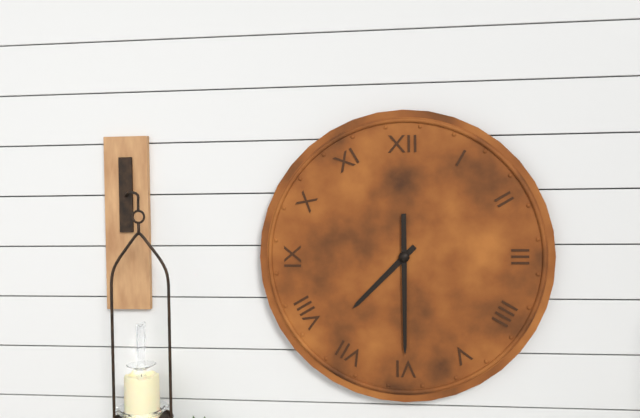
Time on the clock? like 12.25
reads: 7.30
